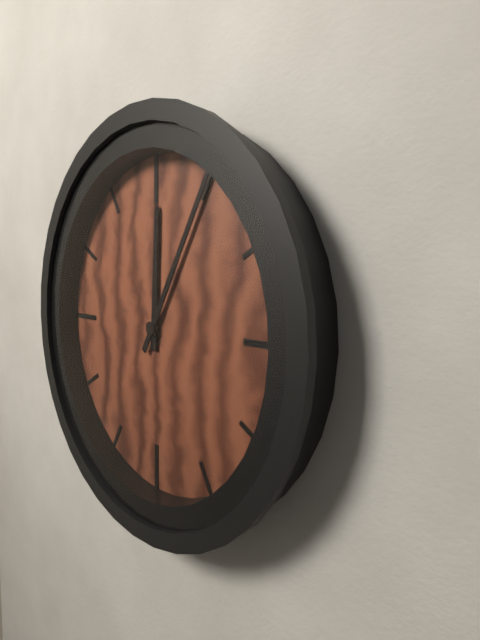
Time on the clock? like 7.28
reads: 12.05
